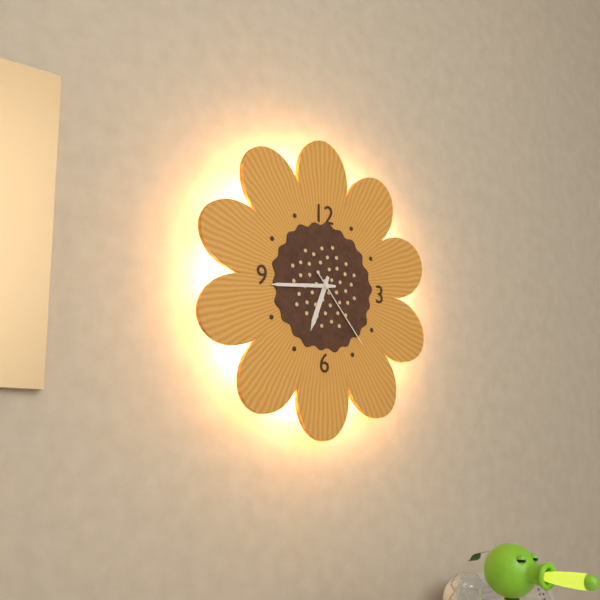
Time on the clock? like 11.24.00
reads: 6.44.23
